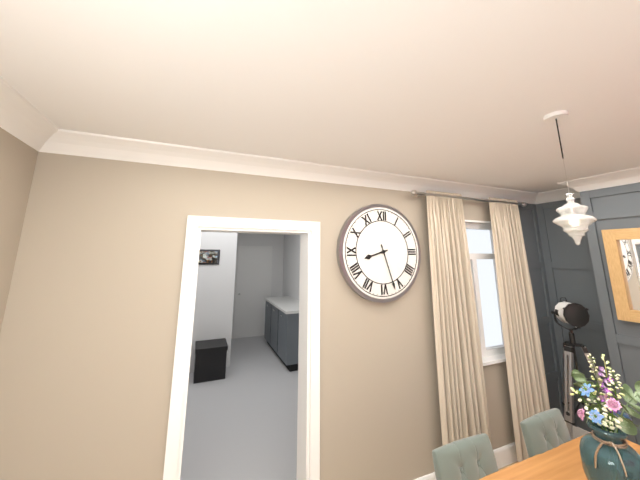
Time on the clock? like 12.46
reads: 8.27
